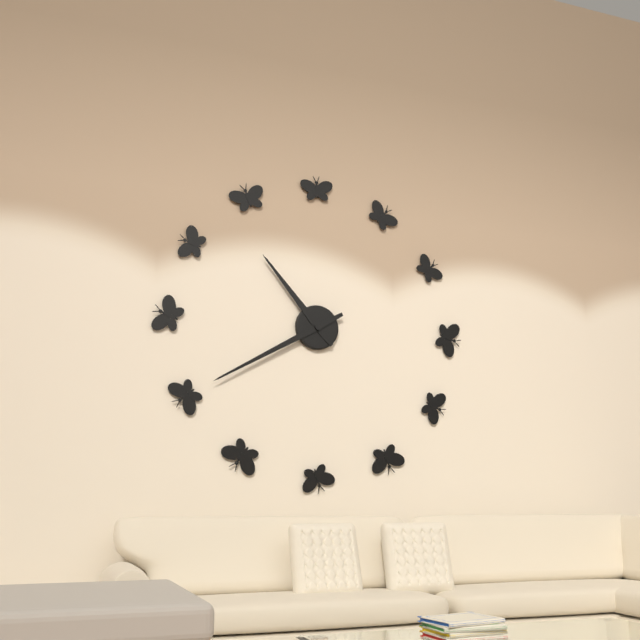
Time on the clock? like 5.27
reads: 10.40
